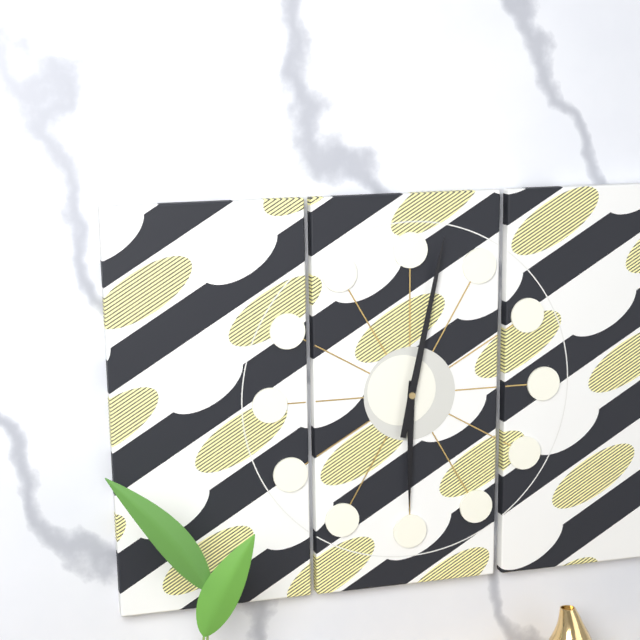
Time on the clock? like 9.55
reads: 6.02
